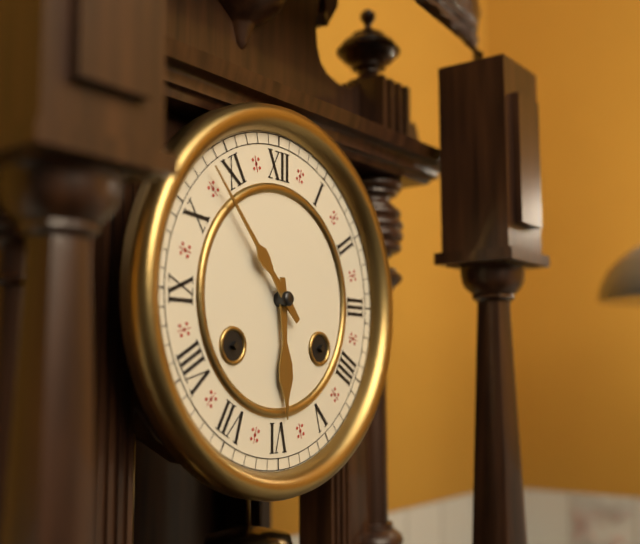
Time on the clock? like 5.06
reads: 5.53
